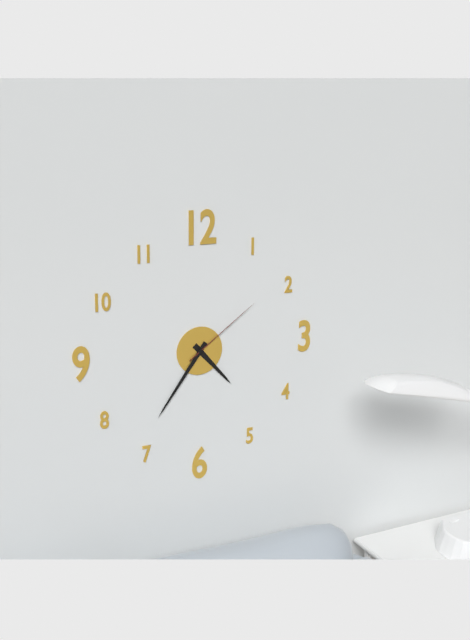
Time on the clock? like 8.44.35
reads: 4.36.09
